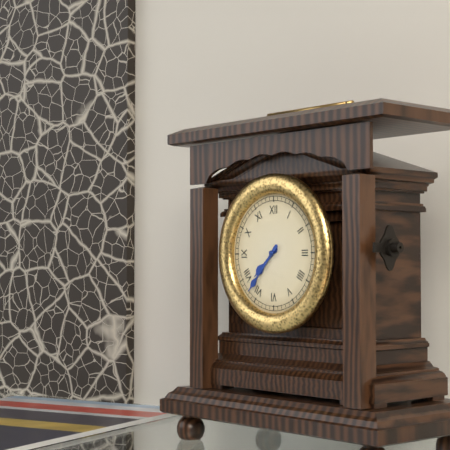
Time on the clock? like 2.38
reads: 7.37
